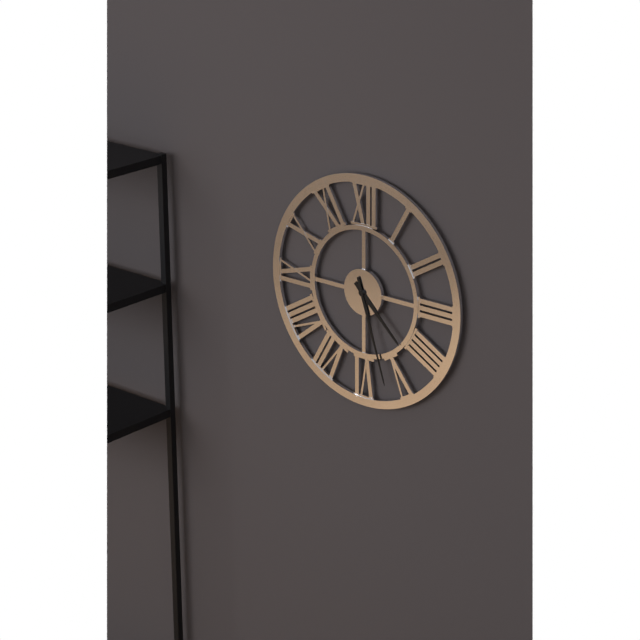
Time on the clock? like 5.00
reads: 4.27
